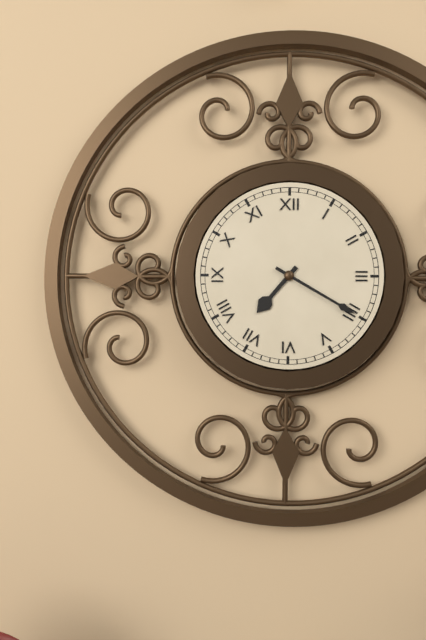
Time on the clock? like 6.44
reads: 7.20
